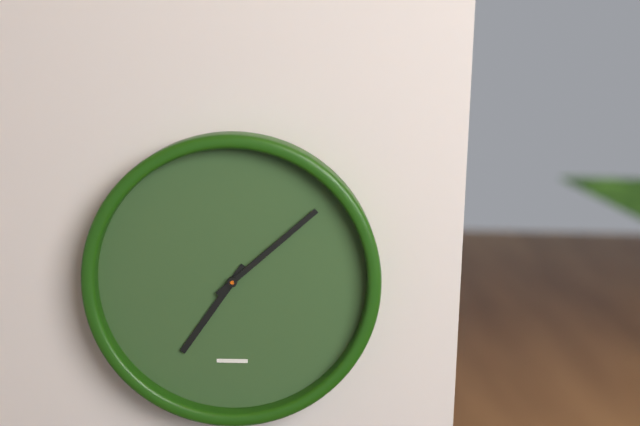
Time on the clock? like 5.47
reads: 7.08
